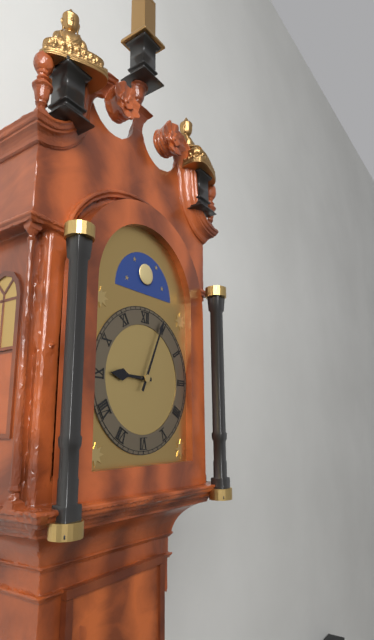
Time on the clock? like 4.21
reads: 9.04
